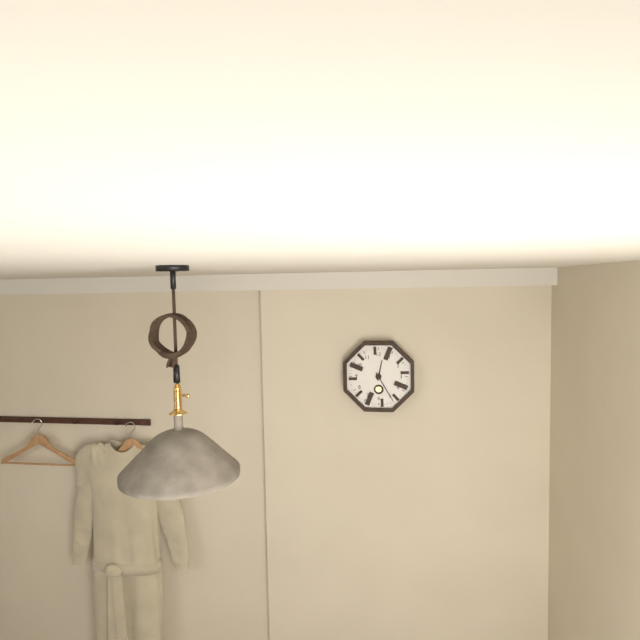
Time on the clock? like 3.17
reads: 12.25
